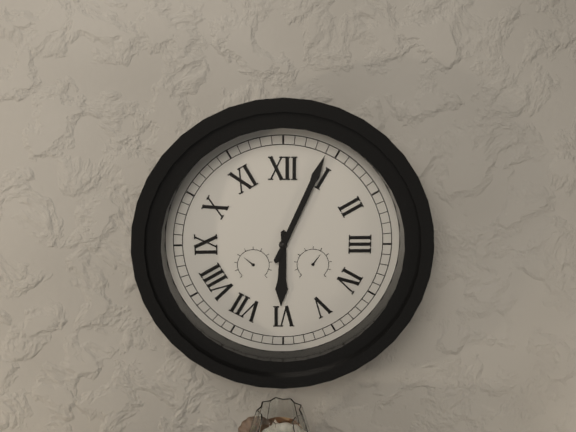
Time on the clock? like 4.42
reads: 6.04
